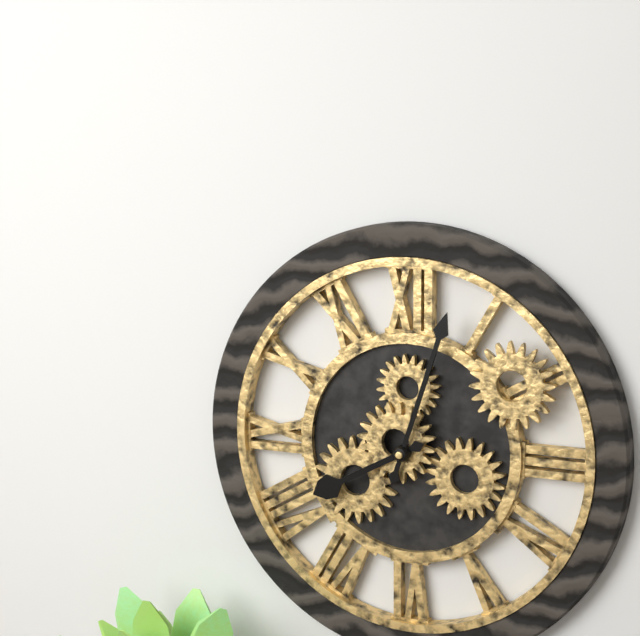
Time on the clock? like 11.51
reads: 8.03
